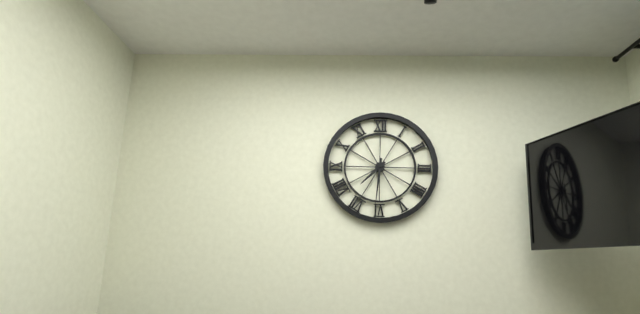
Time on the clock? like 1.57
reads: 7.31
